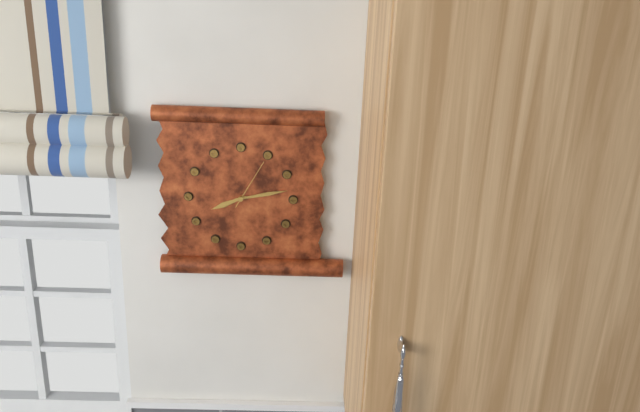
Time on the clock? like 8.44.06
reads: 8.13.05
